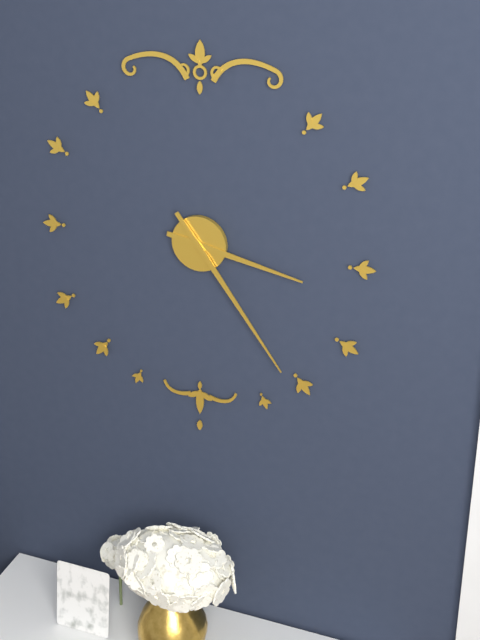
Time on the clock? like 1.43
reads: 3.24
